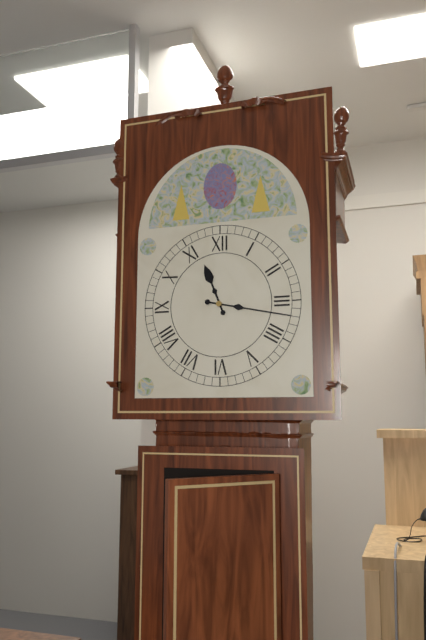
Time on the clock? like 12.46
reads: 11.17
